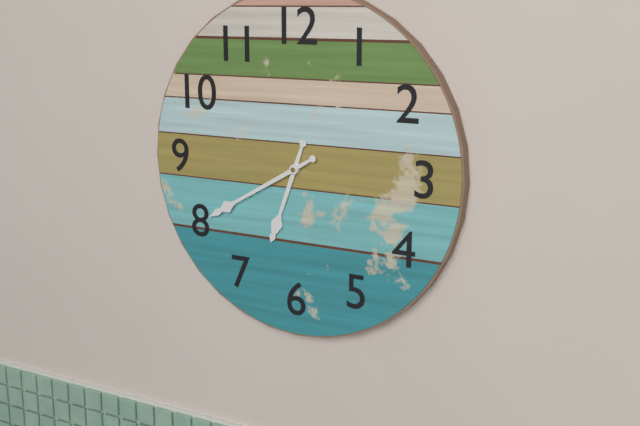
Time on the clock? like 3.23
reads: 6.40
